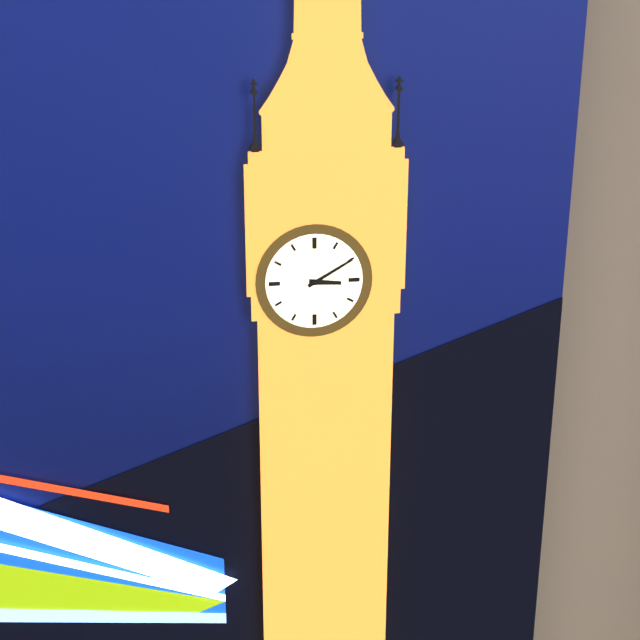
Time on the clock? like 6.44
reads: 3.10
